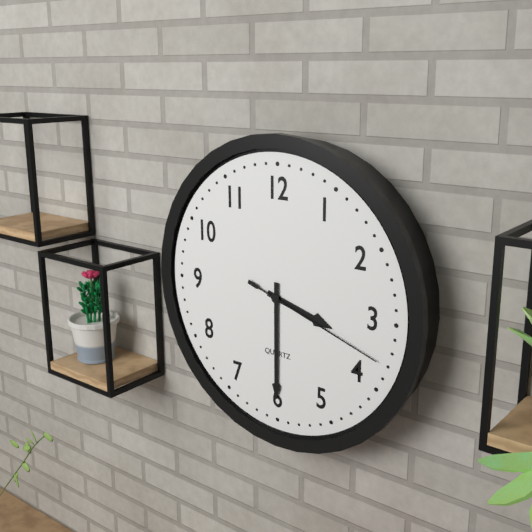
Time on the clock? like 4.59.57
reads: 3.30.18
